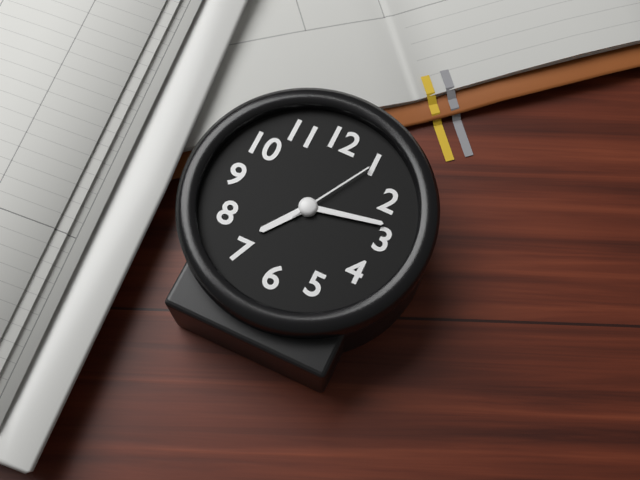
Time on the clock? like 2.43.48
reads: 7.13.05
